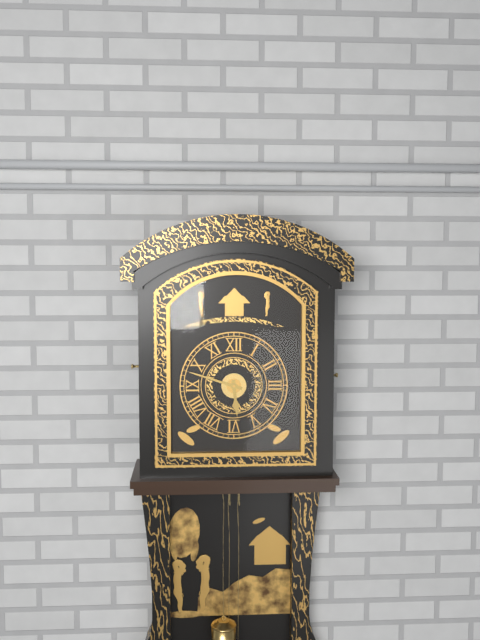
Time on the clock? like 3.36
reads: 5.48
